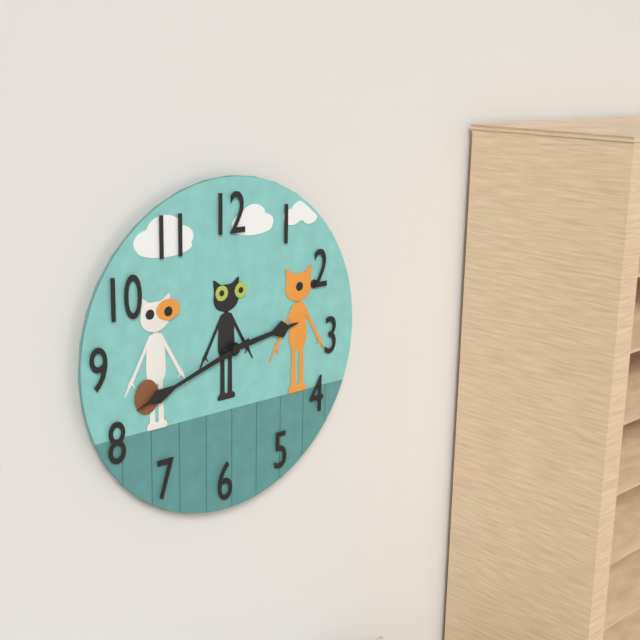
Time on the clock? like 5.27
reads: 2.42
